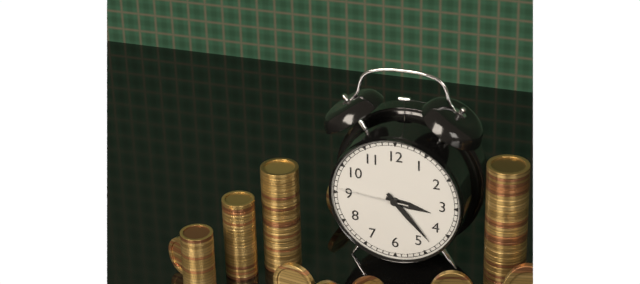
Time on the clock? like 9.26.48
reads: 3.23.46
